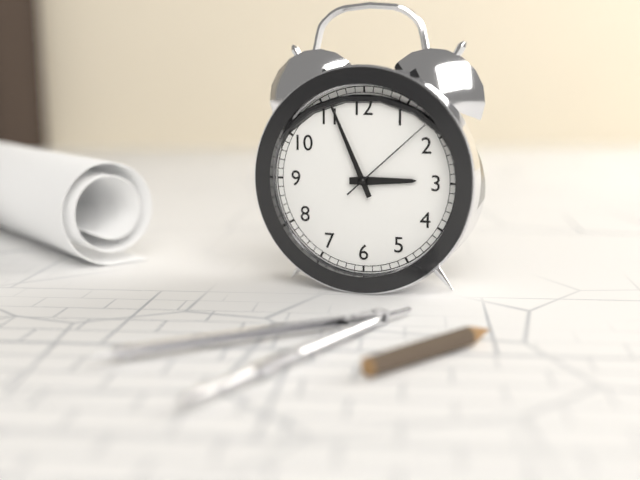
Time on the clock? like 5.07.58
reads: 2.56.08
